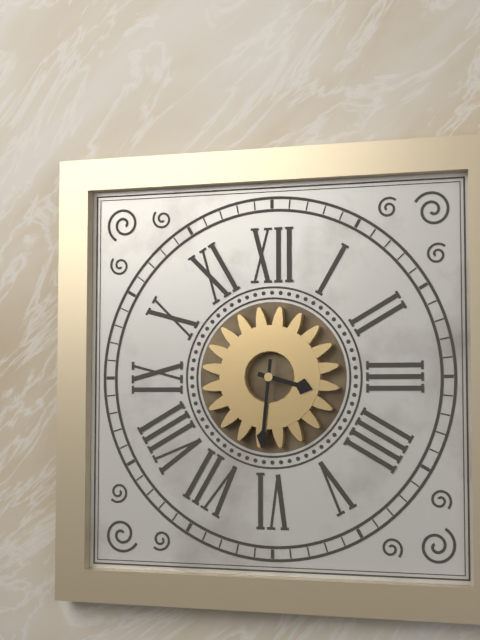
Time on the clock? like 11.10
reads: 3.31
